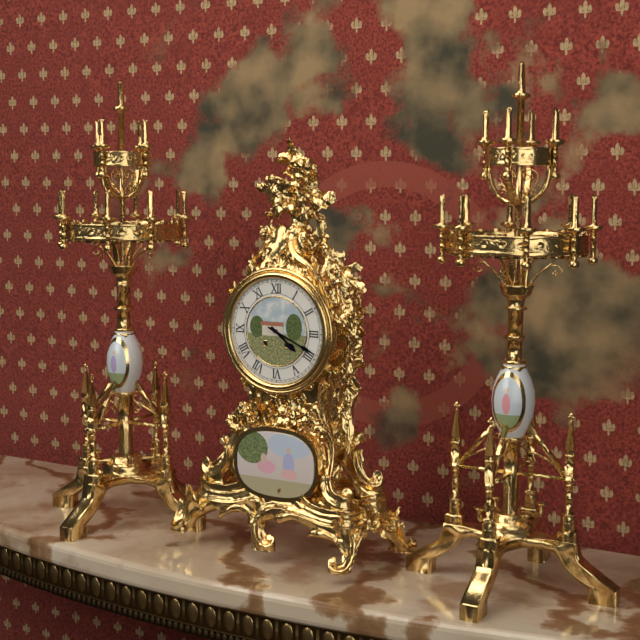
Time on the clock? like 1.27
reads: 4.19
